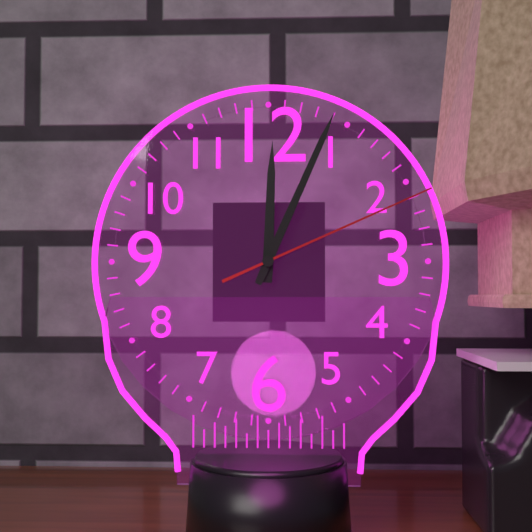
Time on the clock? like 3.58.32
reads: 12.04.11
